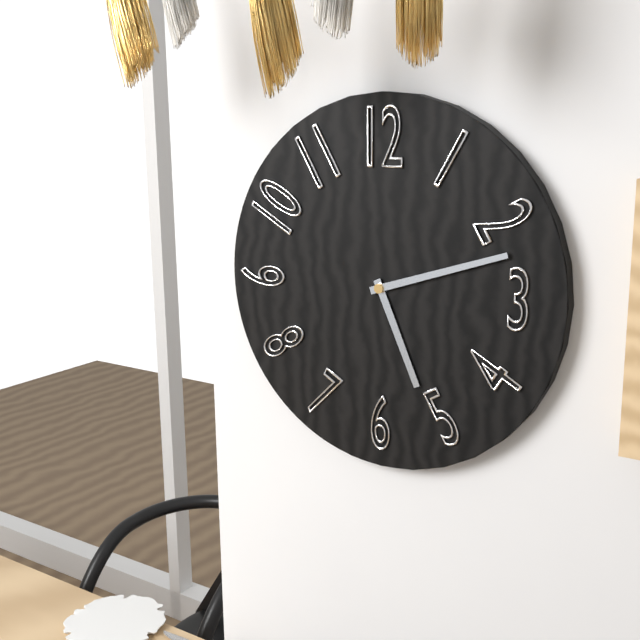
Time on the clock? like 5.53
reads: 5.12
